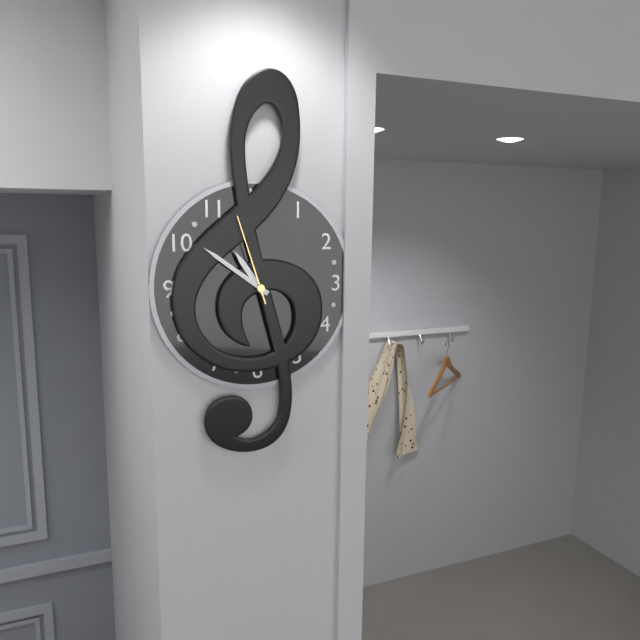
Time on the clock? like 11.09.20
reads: 10.51.57
